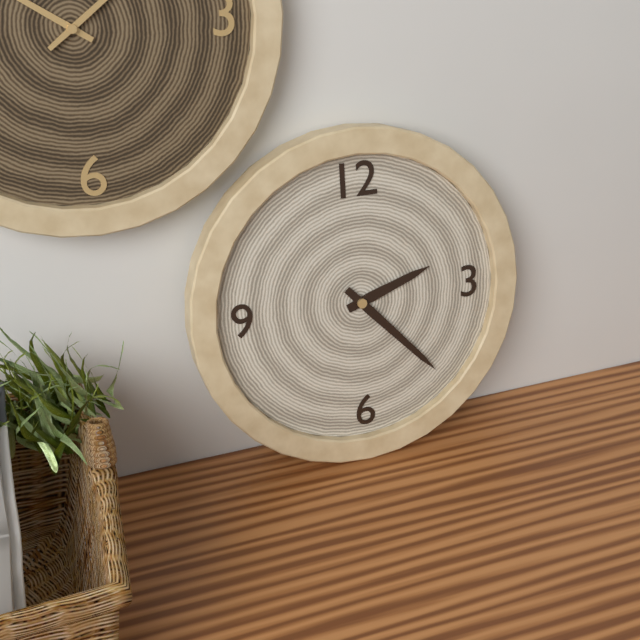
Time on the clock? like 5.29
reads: 2.23
